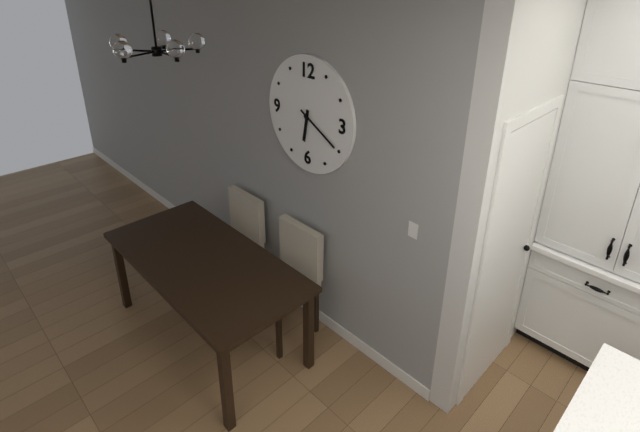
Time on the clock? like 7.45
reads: 6.20
